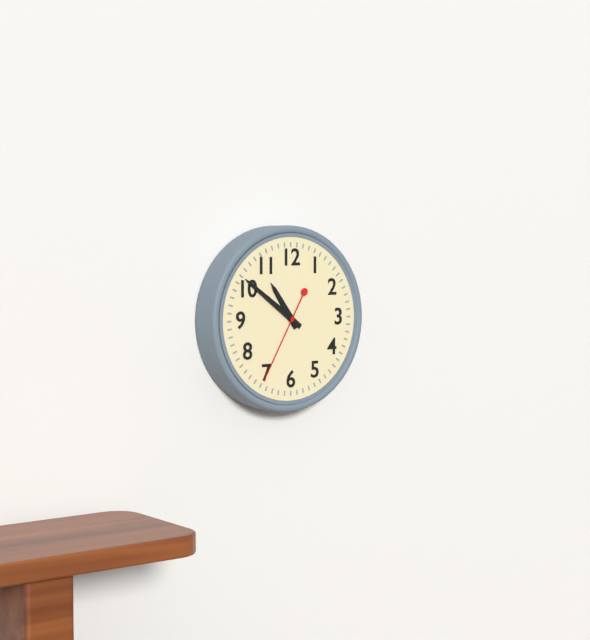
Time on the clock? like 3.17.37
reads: 10.51.35
